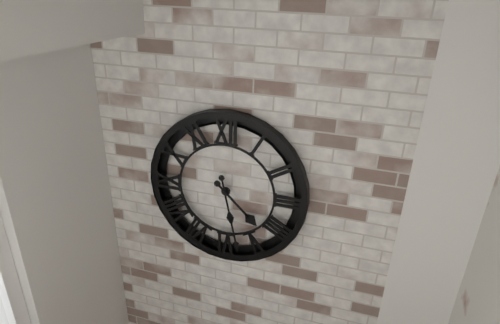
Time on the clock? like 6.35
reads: 4.28
